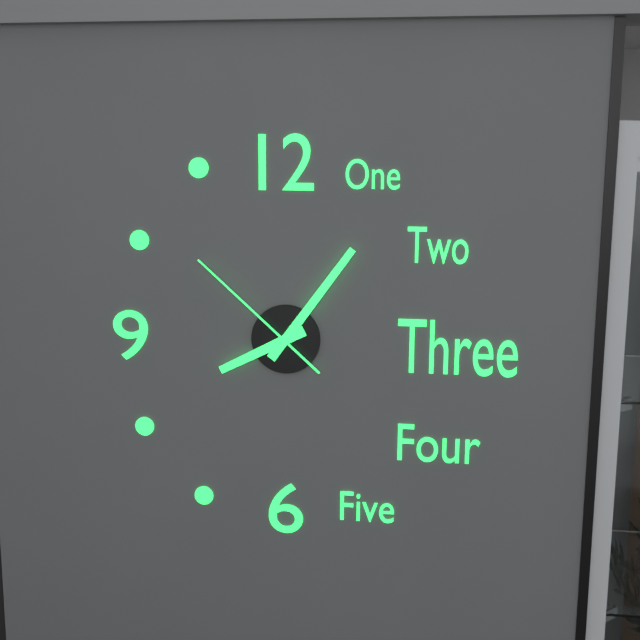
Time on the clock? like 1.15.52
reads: 8.06.52
